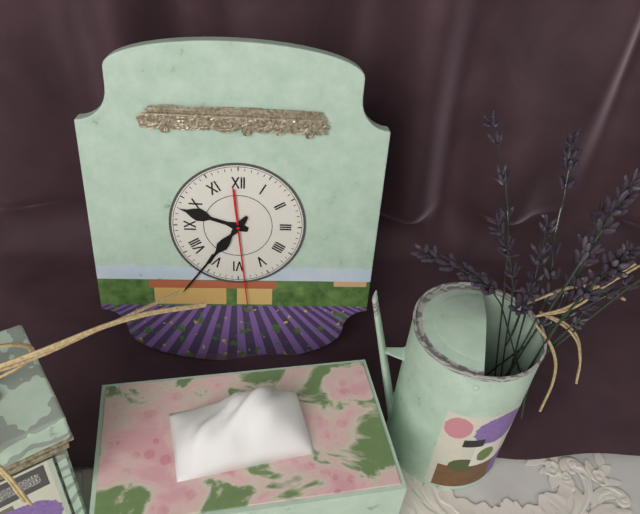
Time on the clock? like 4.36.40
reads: 9.36.29
